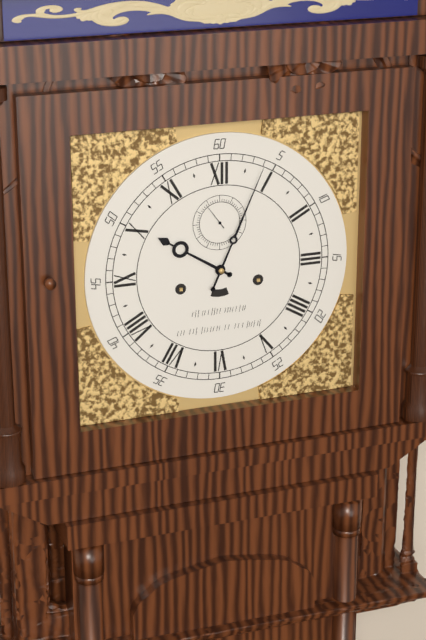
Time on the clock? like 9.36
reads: 10.04
